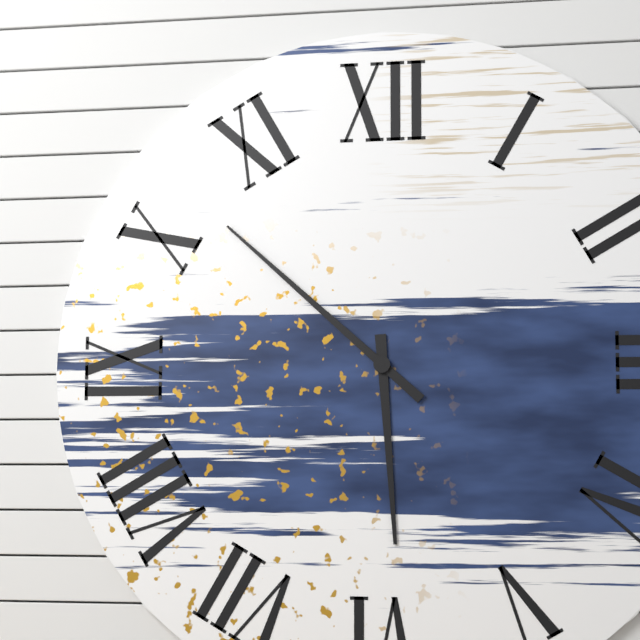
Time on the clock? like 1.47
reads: 5.52
